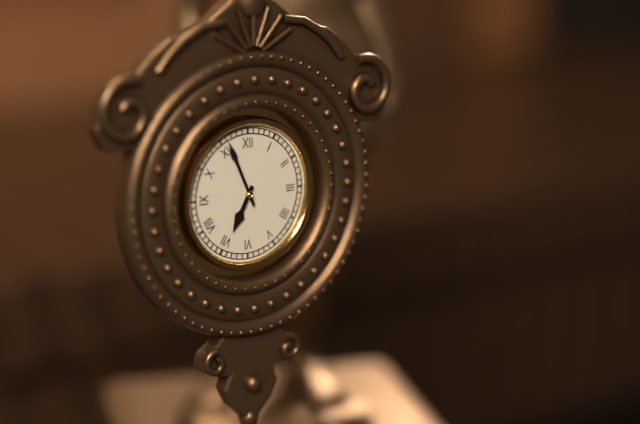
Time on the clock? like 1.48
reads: 6.56
